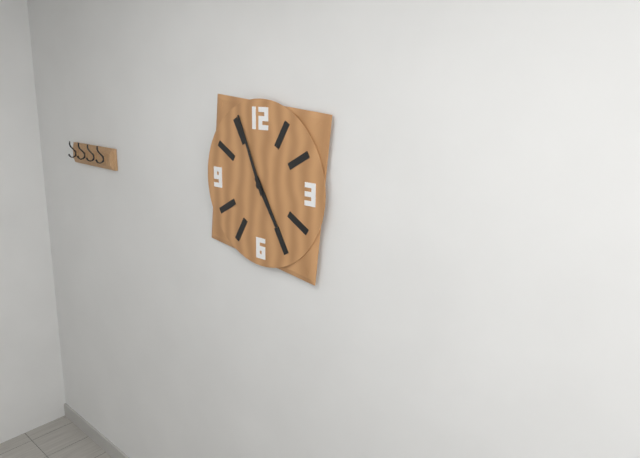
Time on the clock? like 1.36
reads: 4.56
